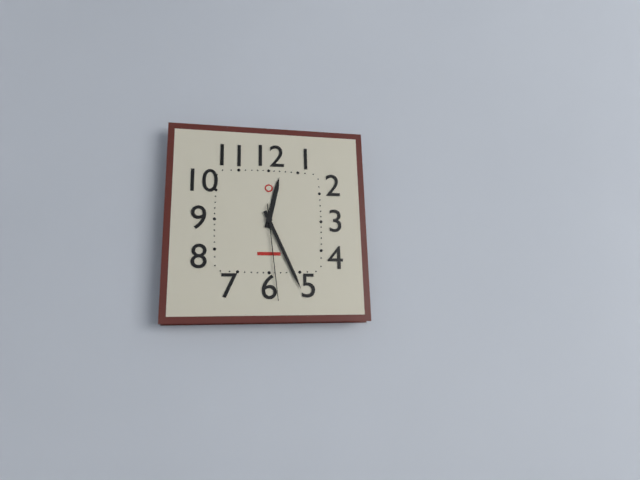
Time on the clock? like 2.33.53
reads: 12.26.29
